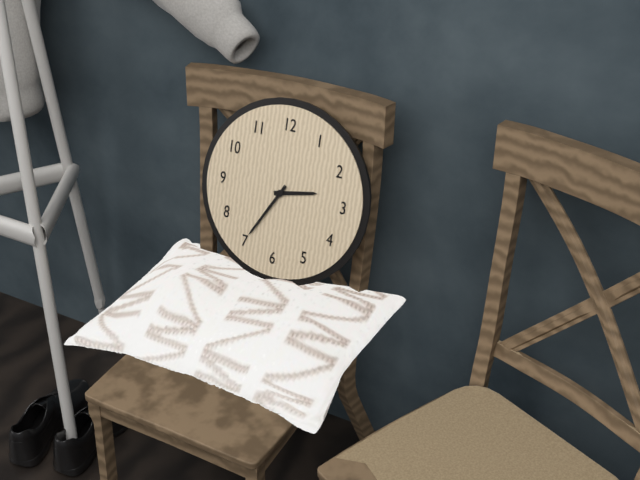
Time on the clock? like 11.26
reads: 2.35
